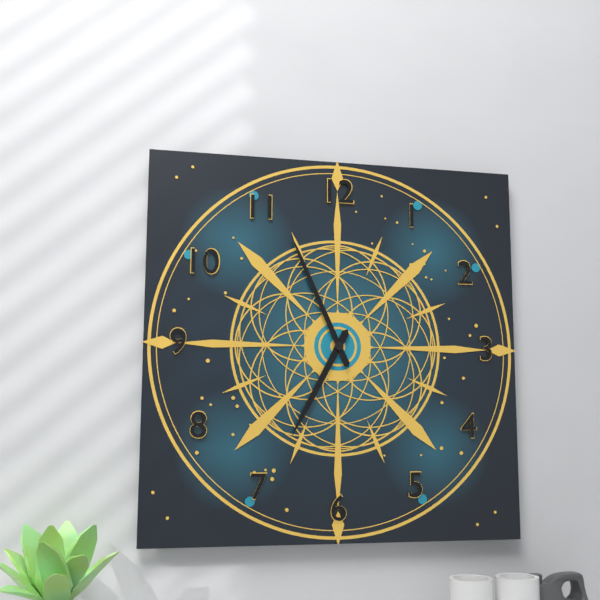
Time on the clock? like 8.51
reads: 6.56
